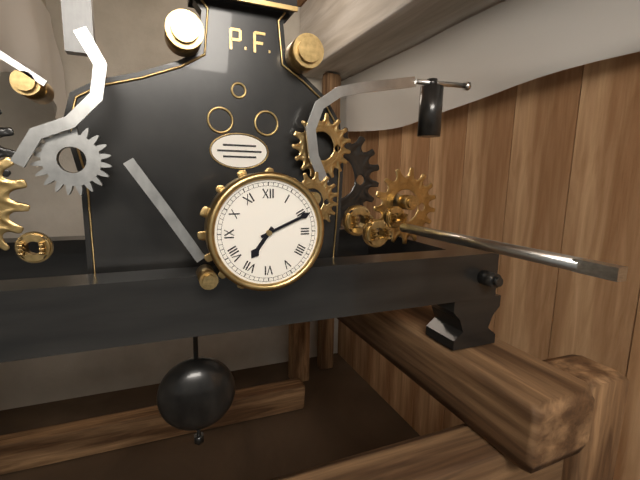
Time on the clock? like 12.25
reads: 7.11
